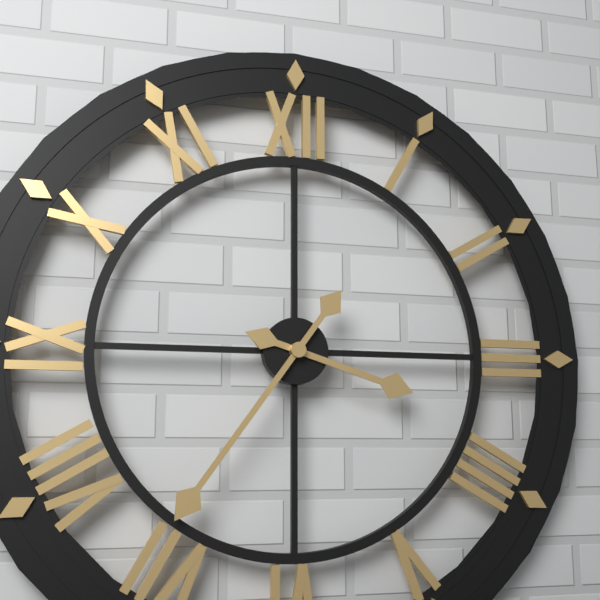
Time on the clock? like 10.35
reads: 3.36
